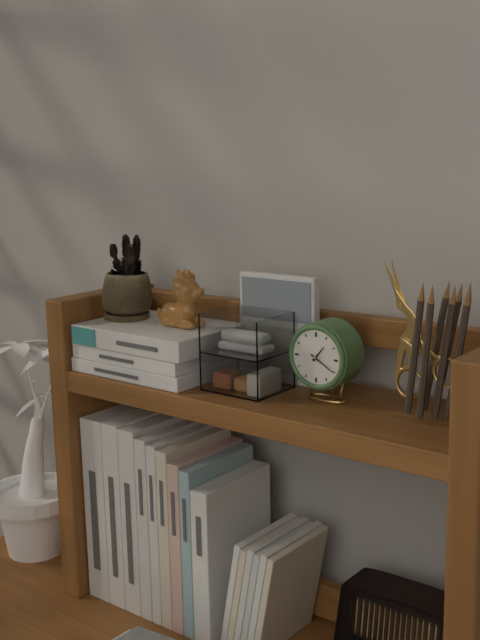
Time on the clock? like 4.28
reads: 1.20
